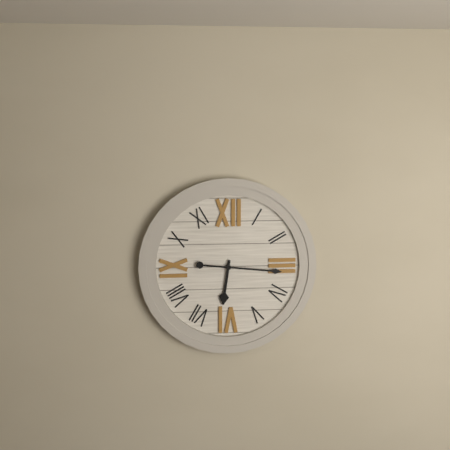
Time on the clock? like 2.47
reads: 6.16
